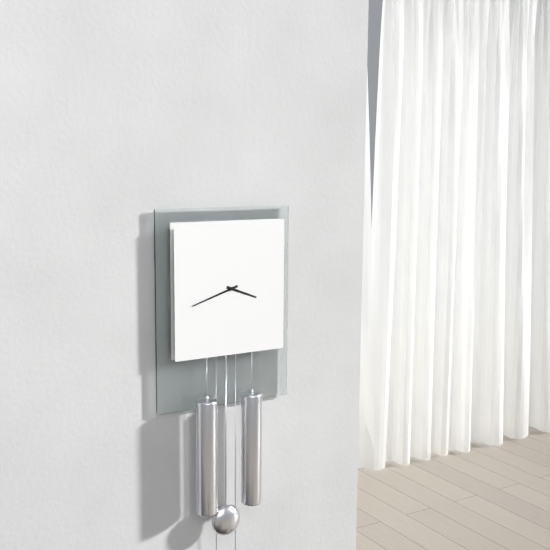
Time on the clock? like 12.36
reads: 3.42
